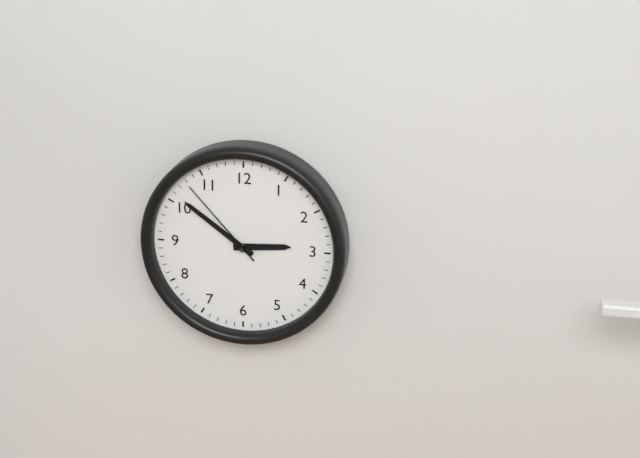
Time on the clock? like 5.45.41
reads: 2.51.53
